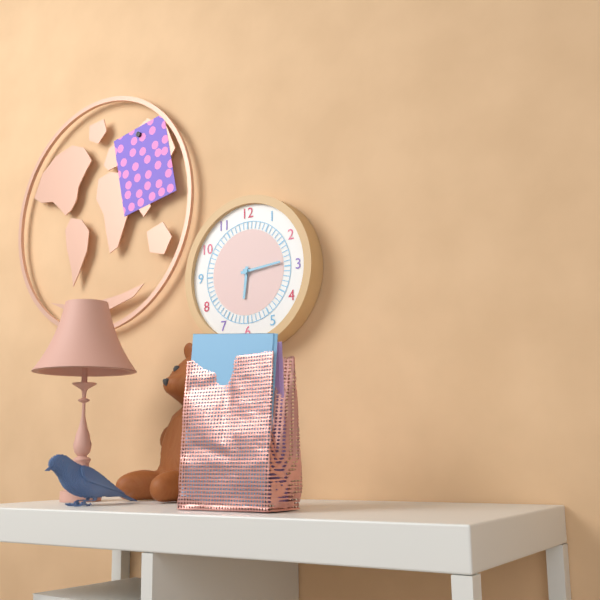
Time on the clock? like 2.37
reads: 6.14
